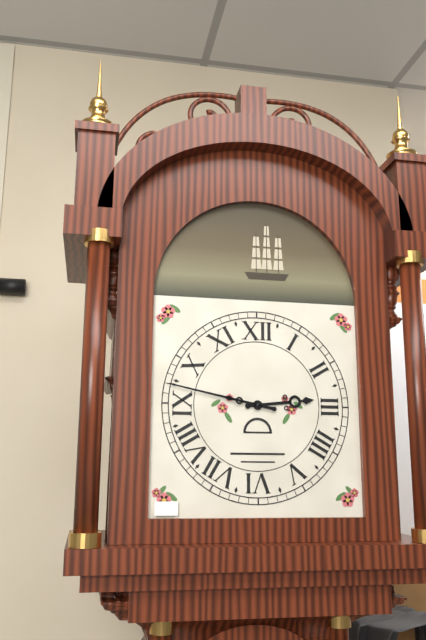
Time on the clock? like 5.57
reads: 2.47
